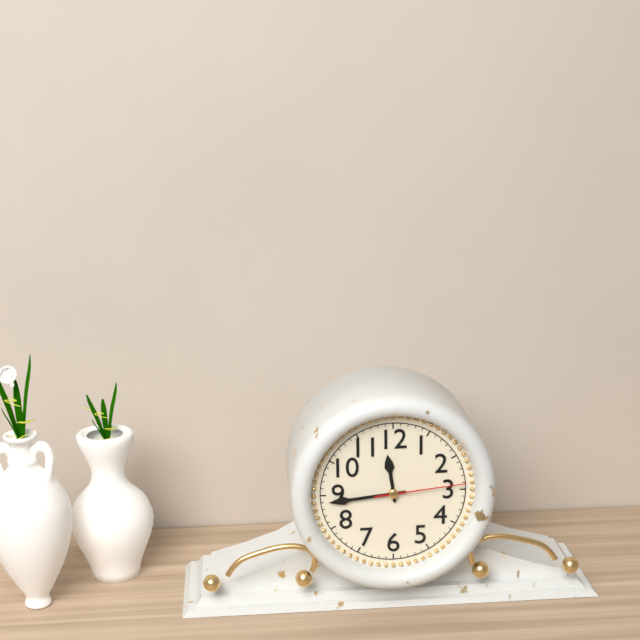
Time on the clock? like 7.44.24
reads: 11.44.14
